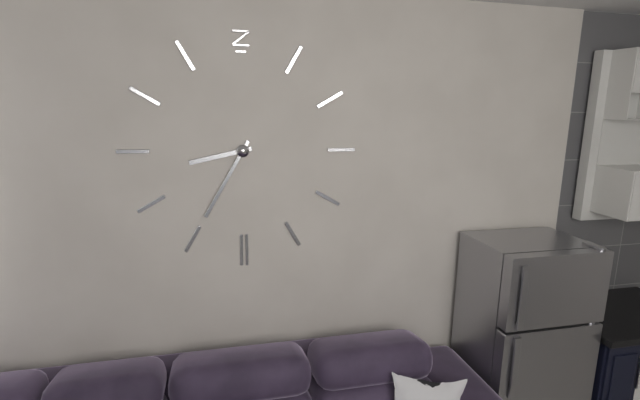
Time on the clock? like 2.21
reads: 8.35
